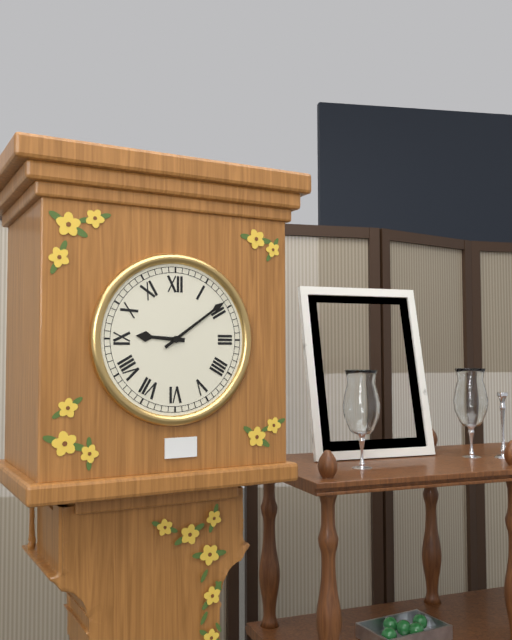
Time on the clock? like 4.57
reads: 9.09
